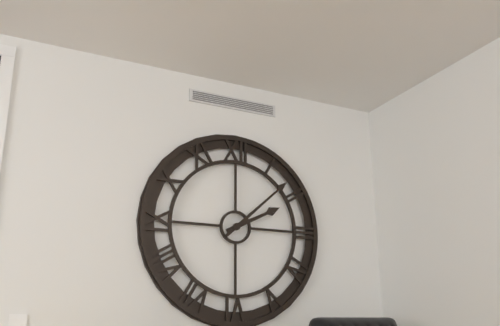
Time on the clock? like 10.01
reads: 2.08
